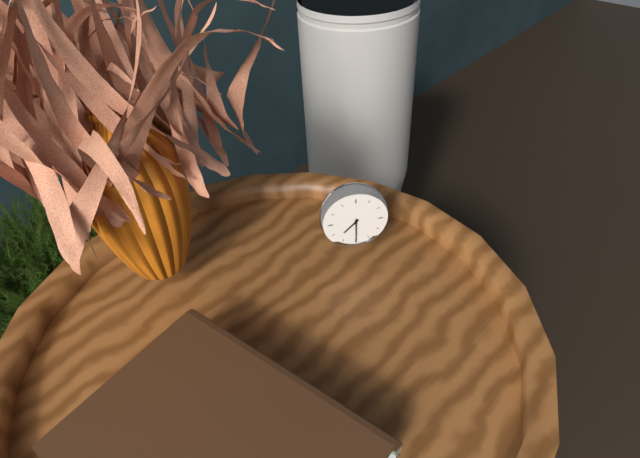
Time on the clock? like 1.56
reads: 7.30
